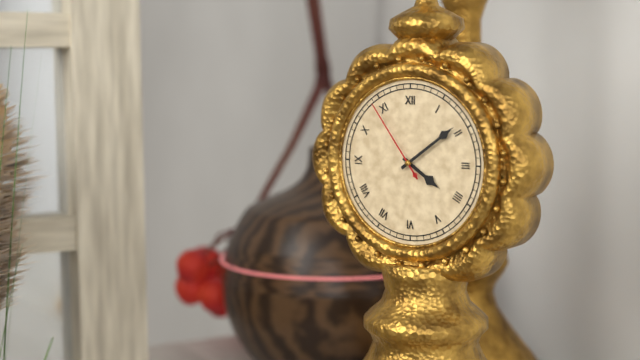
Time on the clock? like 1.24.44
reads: 4.09.54
